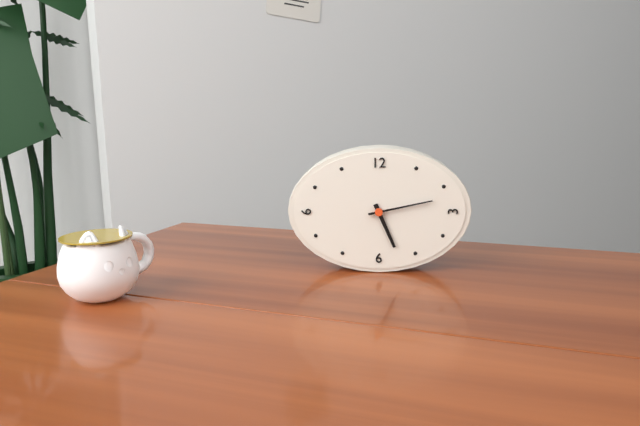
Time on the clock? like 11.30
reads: 5.13
